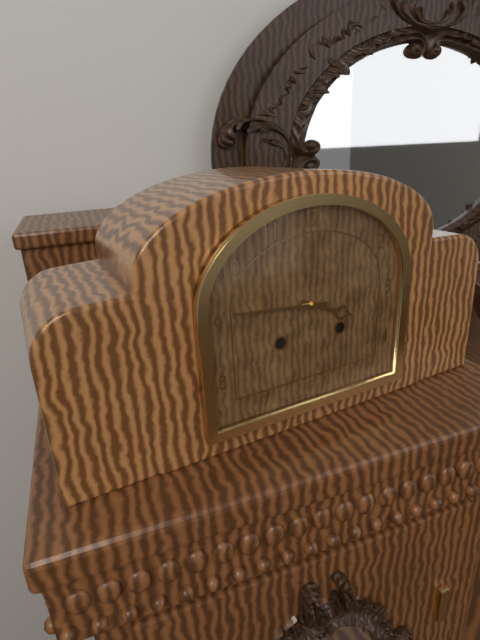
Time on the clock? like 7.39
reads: 3.46
